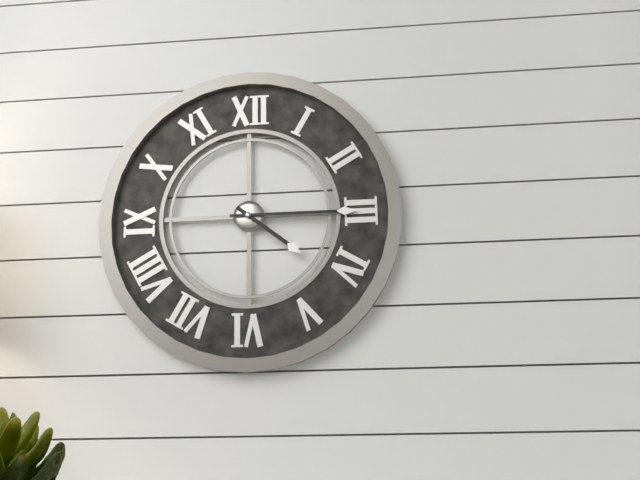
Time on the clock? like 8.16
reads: 4.15
